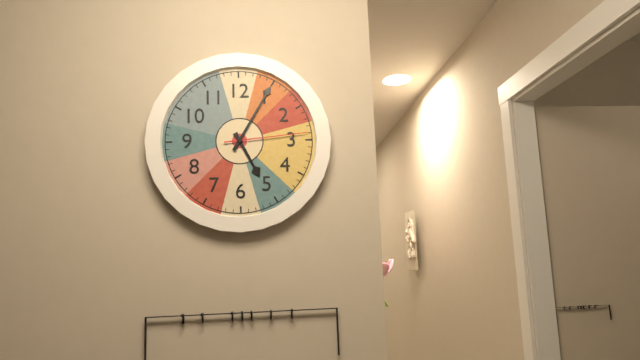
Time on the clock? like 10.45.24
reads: 5.05.14
